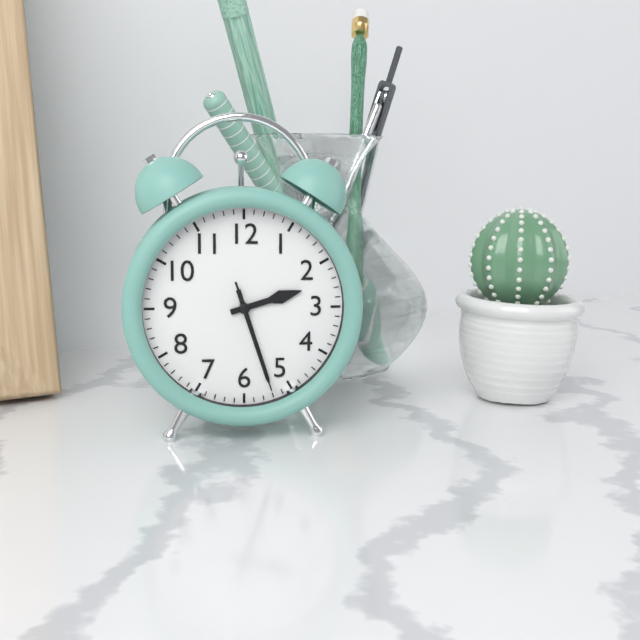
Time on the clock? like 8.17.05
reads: 2.27.27
